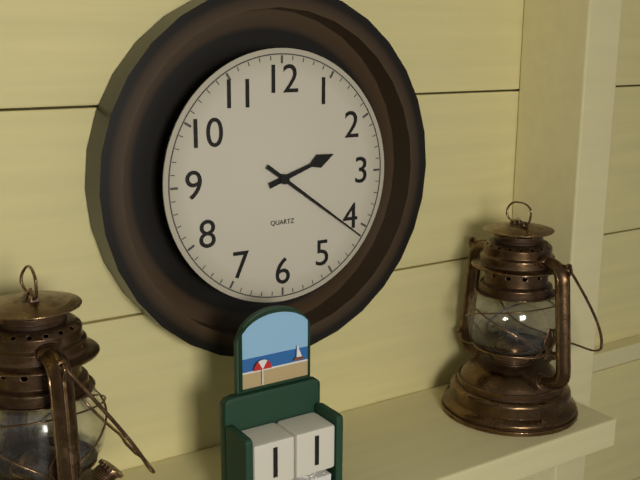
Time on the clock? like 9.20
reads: 2.21
